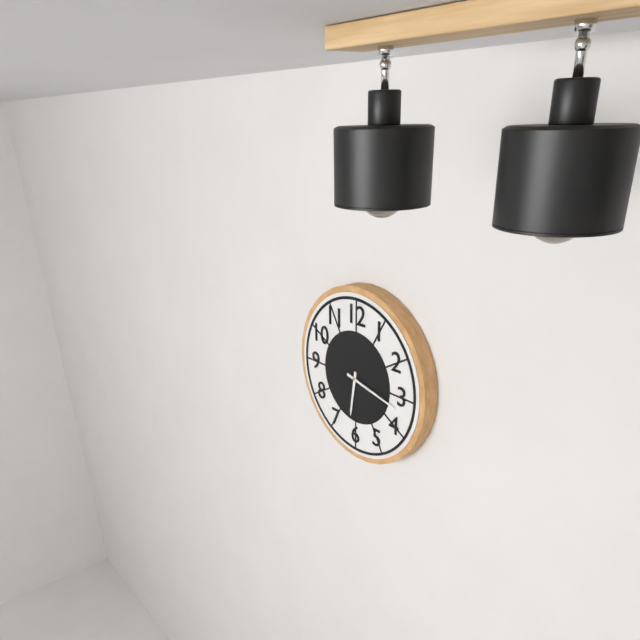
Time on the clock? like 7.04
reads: 6.17
